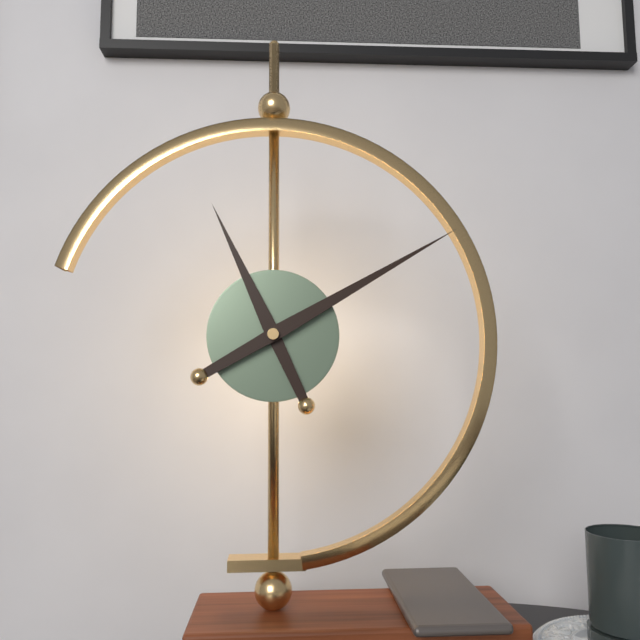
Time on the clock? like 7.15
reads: 11.10
